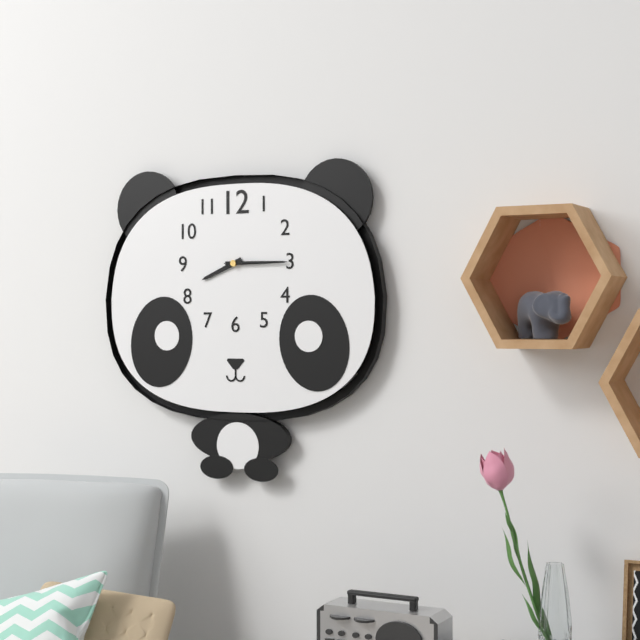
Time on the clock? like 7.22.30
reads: 8.15.15
